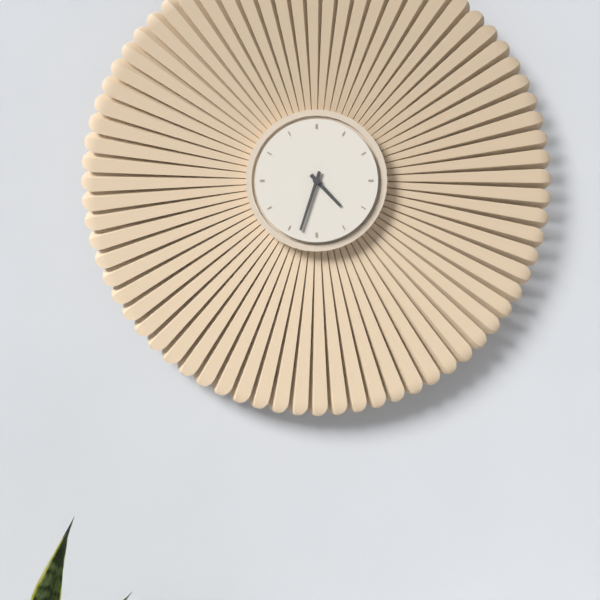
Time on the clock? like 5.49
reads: 4.33
